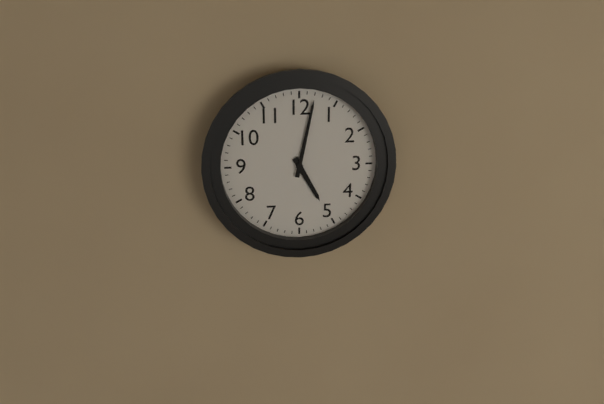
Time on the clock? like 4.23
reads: 5.02
